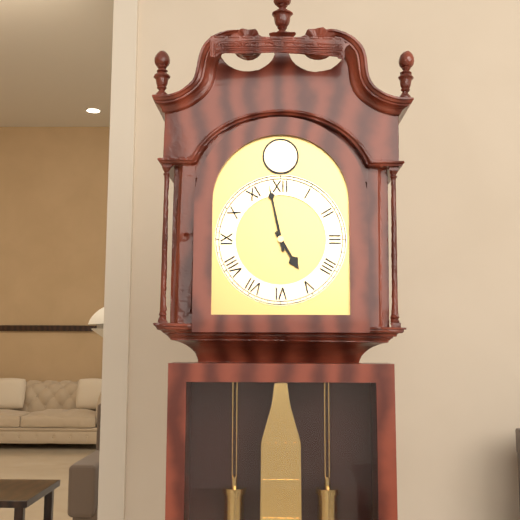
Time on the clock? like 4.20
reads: 4.58
